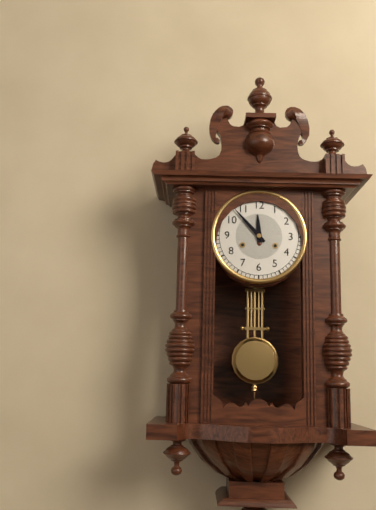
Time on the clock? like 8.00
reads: 11.53
